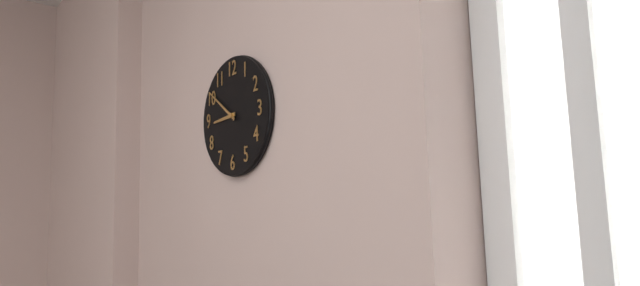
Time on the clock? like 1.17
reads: 8.51
